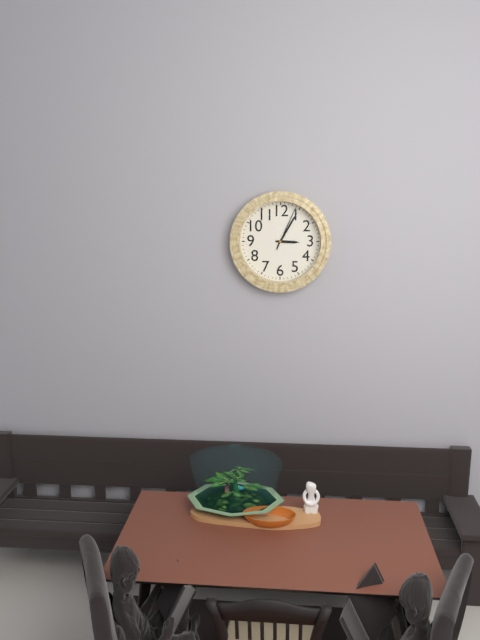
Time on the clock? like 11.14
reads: 3.05
